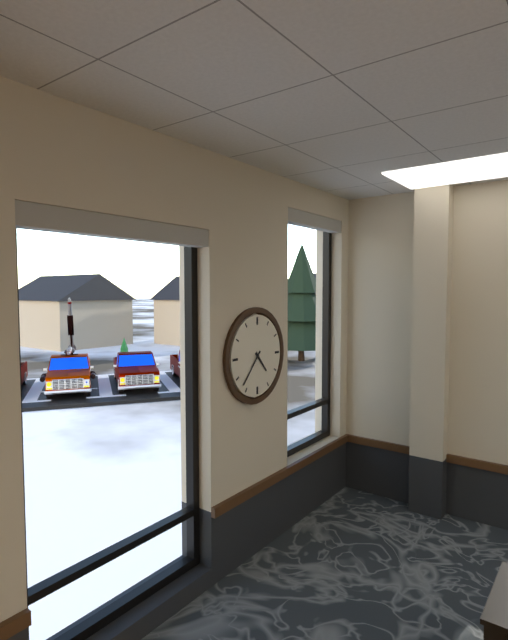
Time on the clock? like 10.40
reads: 4.37
